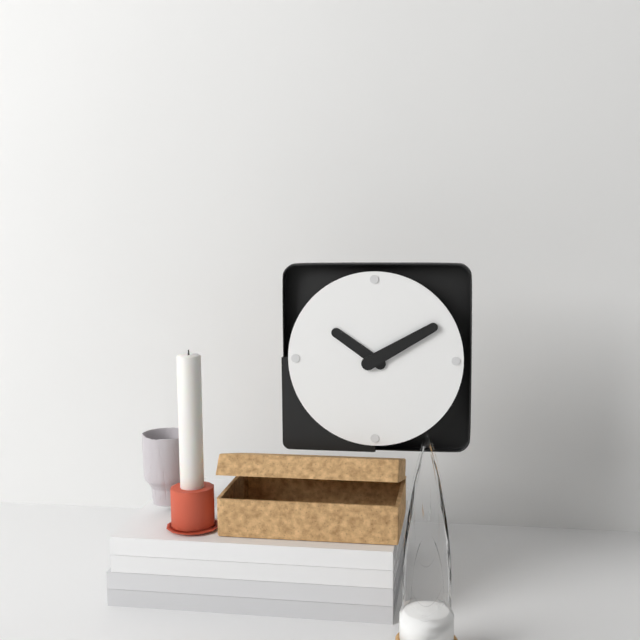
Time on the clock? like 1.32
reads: 10.10
